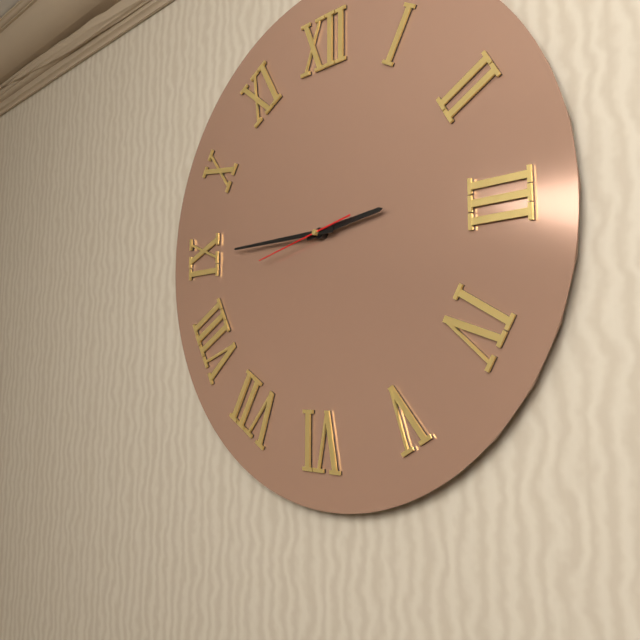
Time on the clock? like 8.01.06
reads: 2.45.43
